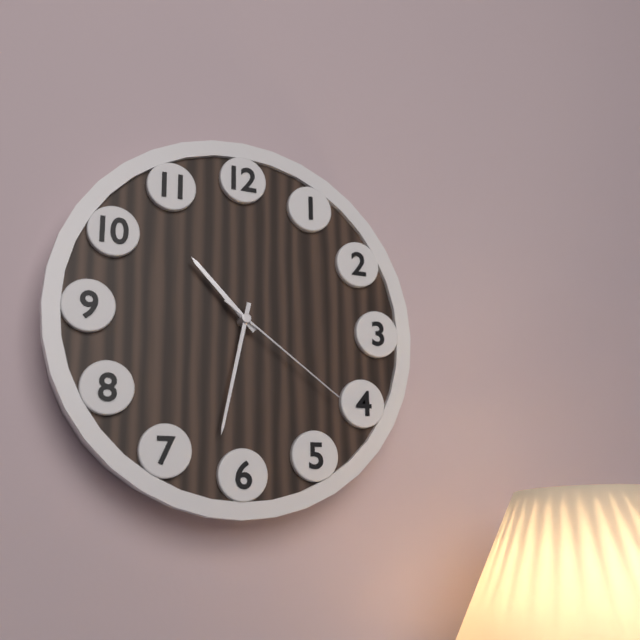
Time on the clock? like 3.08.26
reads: 10.32.21
